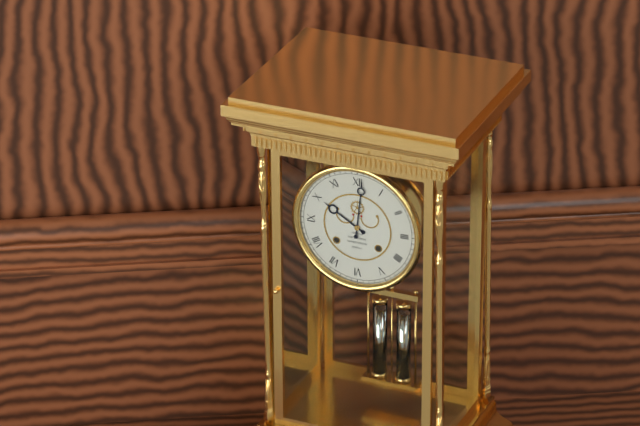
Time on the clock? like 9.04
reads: 10.01
